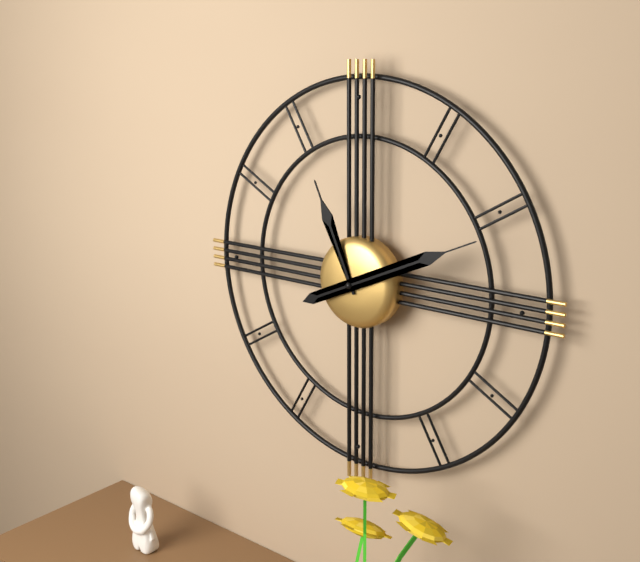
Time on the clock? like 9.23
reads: 11.11
